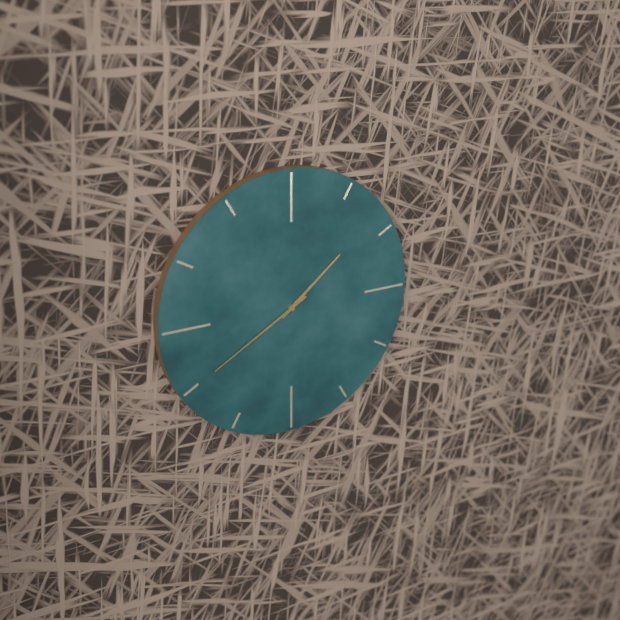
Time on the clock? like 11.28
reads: 1.40
